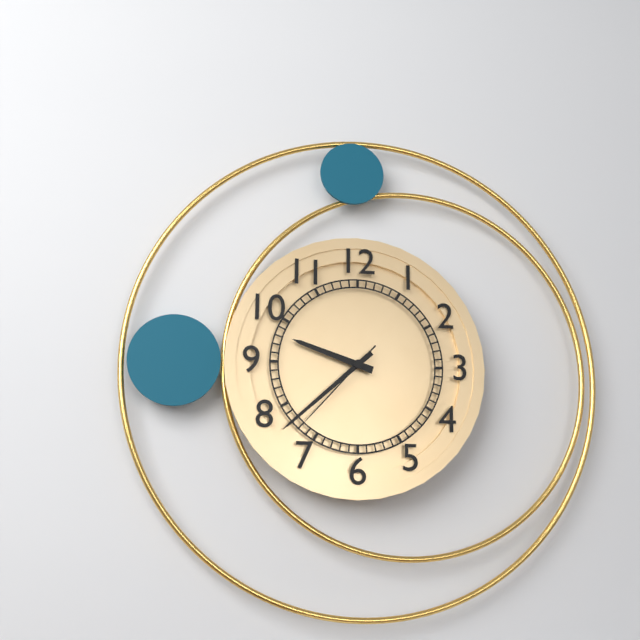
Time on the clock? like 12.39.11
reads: 9.38.37
